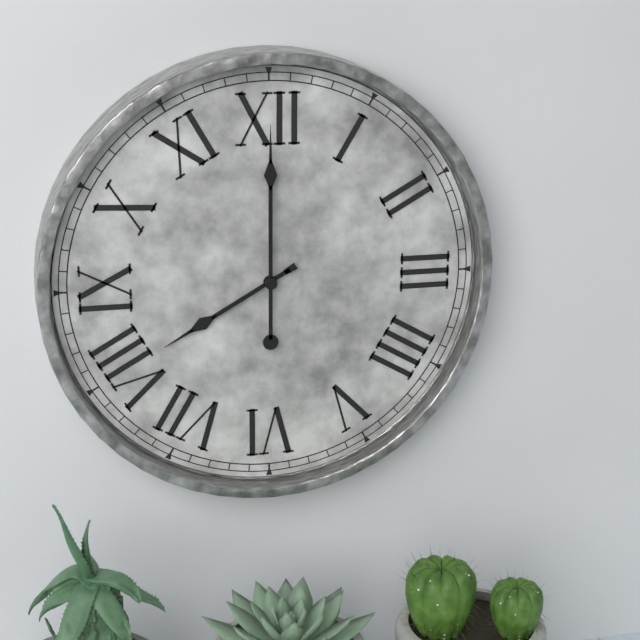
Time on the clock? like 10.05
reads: 8.00
